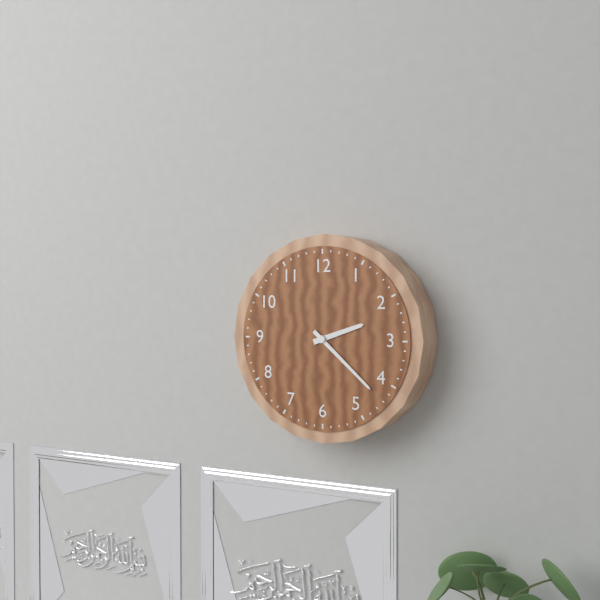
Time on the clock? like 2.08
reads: 2.22
